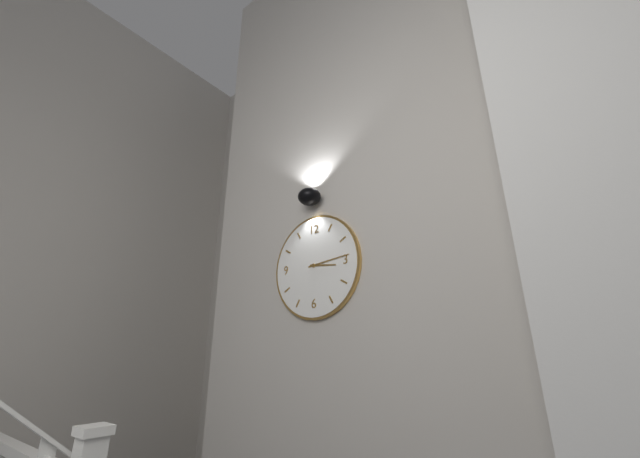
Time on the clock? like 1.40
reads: 3.14
